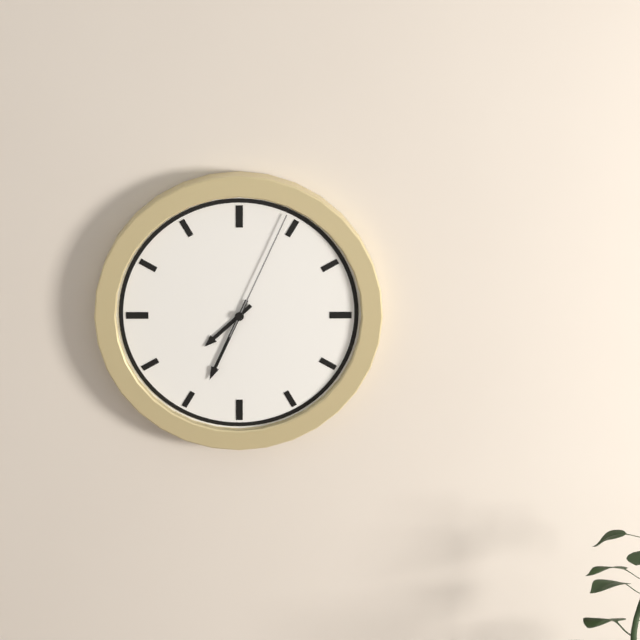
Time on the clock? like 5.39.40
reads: 7.34.04
